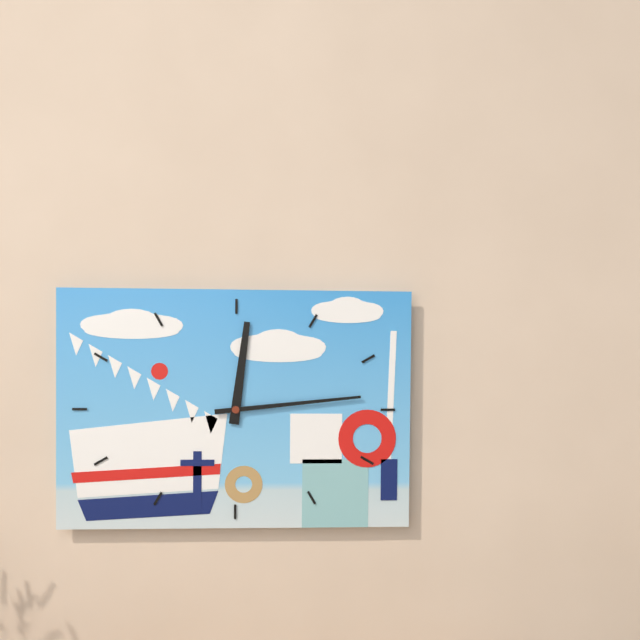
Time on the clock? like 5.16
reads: 12.14
